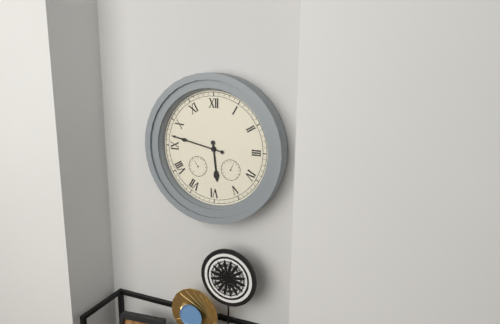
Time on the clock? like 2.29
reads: 5.47
